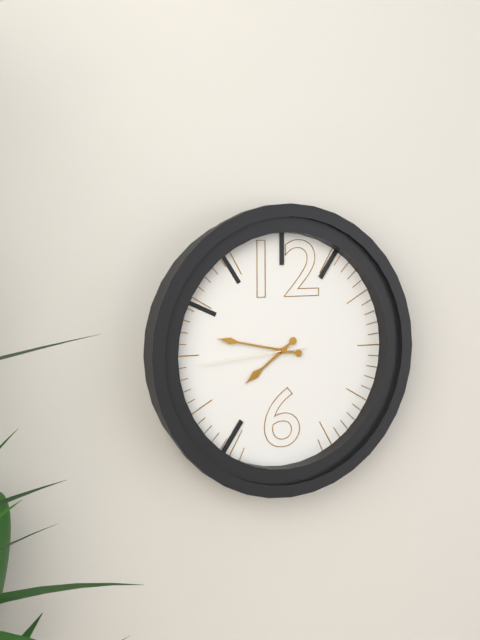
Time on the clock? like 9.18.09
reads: 7.47.44
